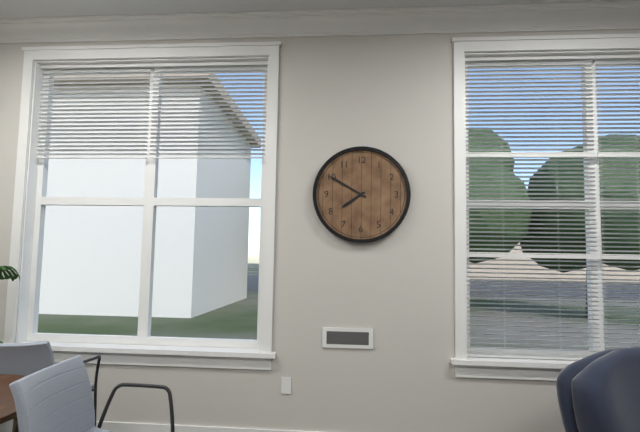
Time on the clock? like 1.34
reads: 7.50
